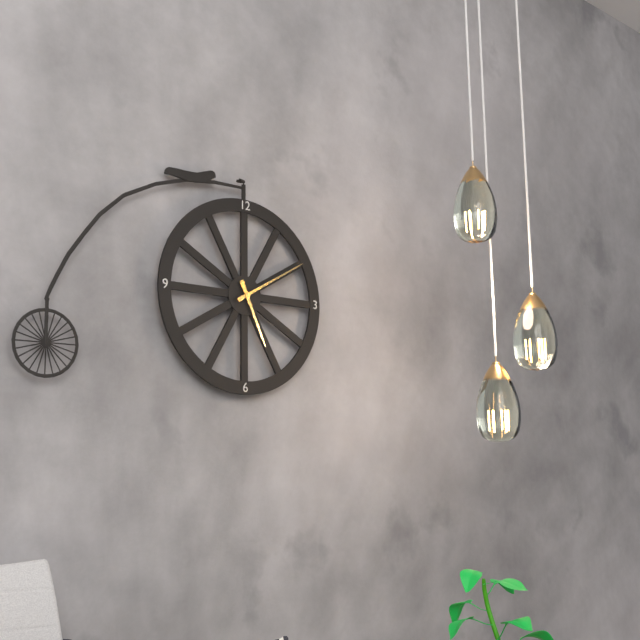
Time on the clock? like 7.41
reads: 5.10
